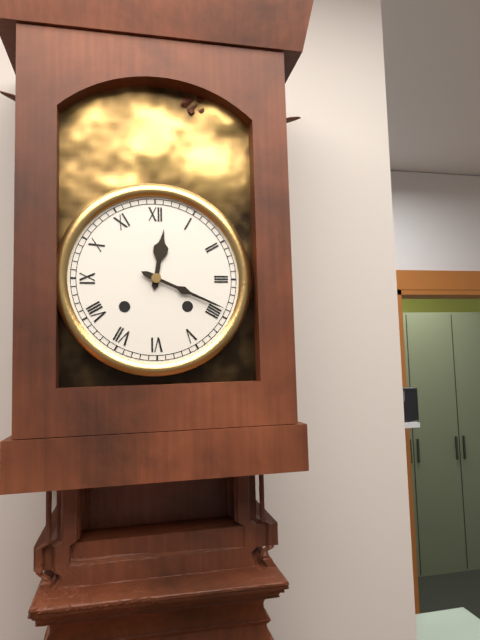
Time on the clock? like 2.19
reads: 12.19
